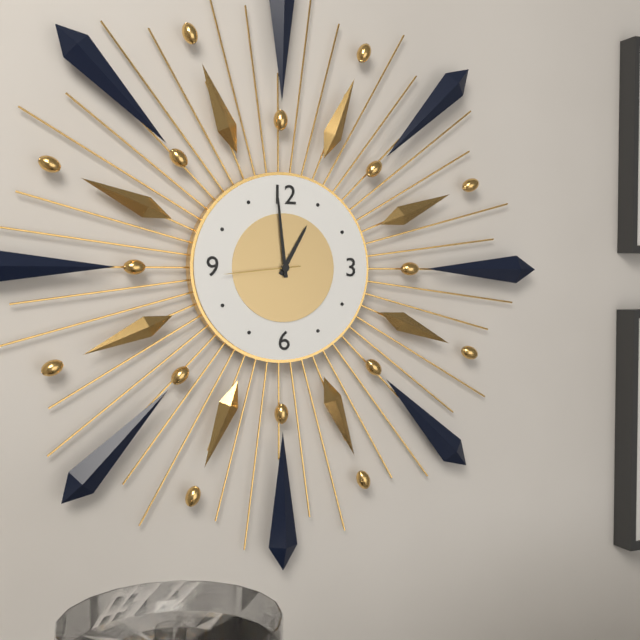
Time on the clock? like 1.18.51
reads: 12.59.44
